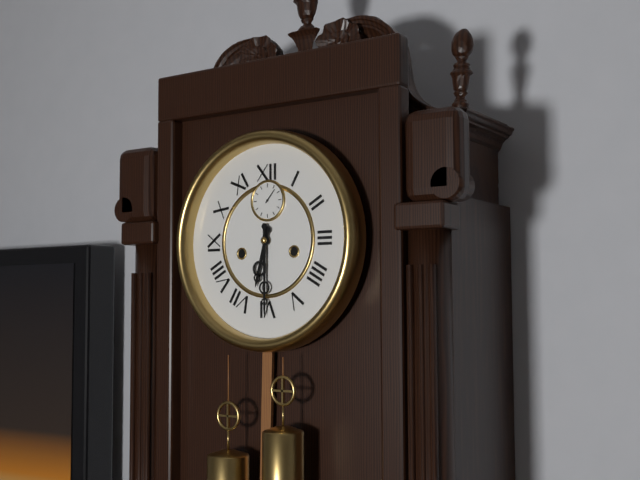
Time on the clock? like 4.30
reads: 6.30
